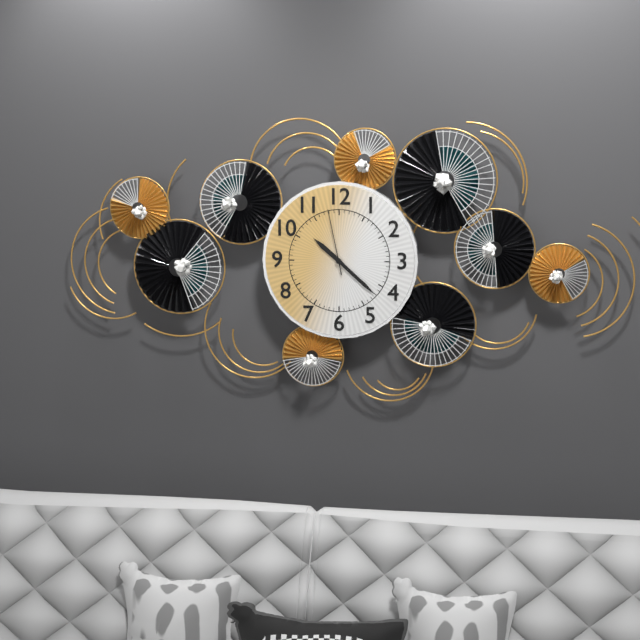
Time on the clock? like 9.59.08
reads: 10.22.58
